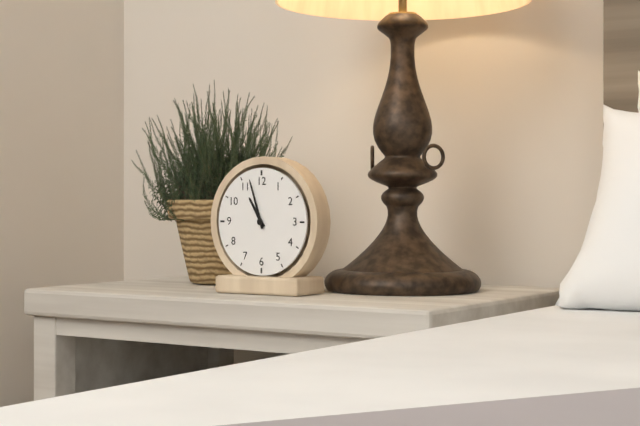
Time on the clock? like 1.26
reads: 10.57
